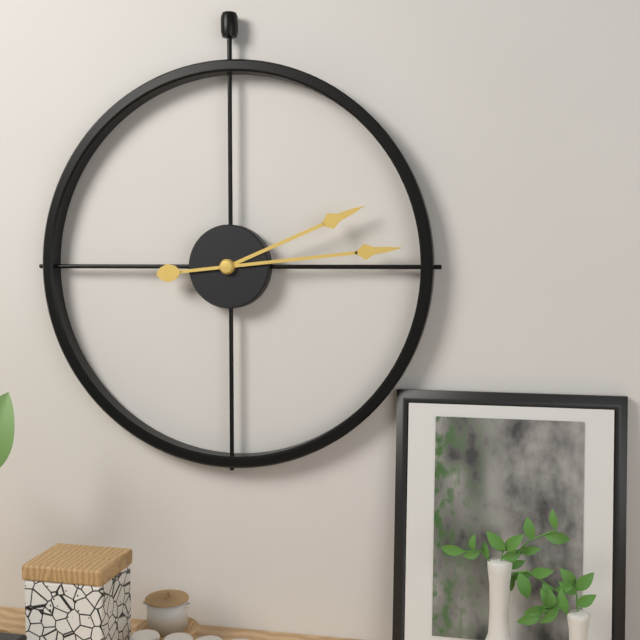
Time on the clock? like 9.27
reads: 2.14
